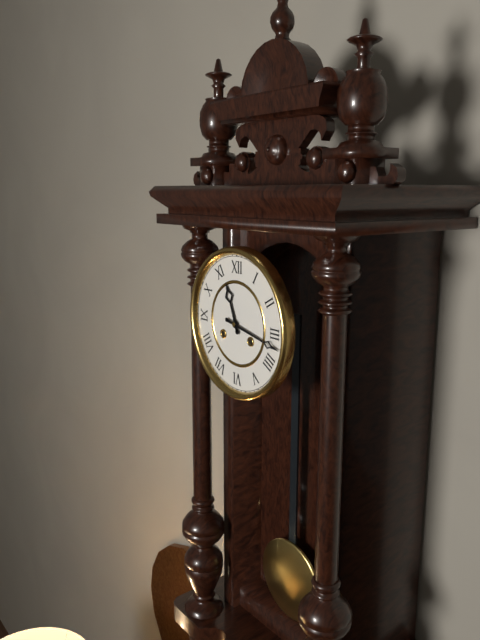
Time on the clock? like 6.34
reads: 11.17
